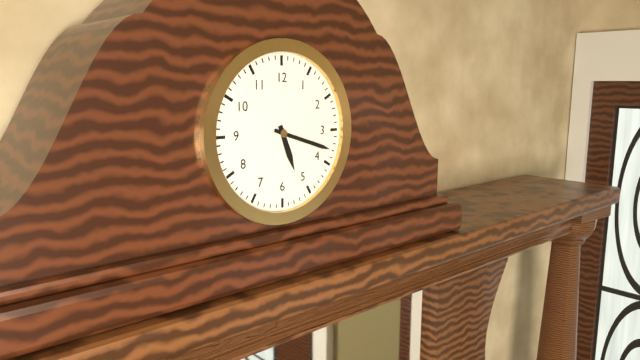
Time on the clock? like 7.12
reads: 5.18
